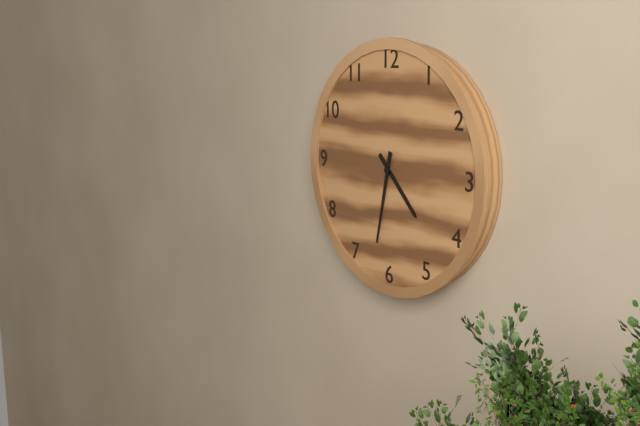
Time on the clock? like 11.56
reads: 4.32
